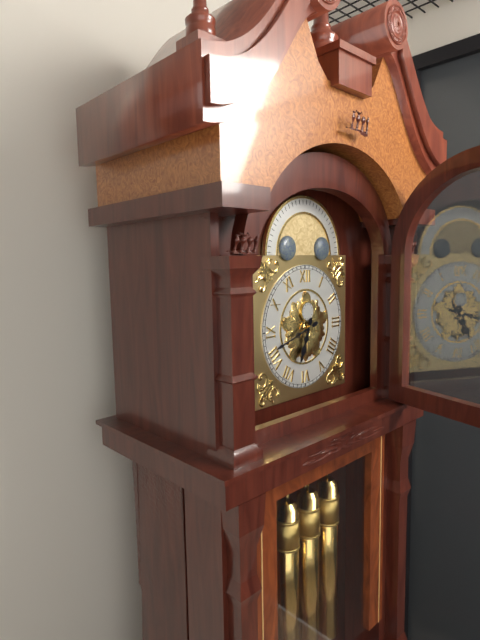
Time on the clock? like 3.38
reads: 6.42
